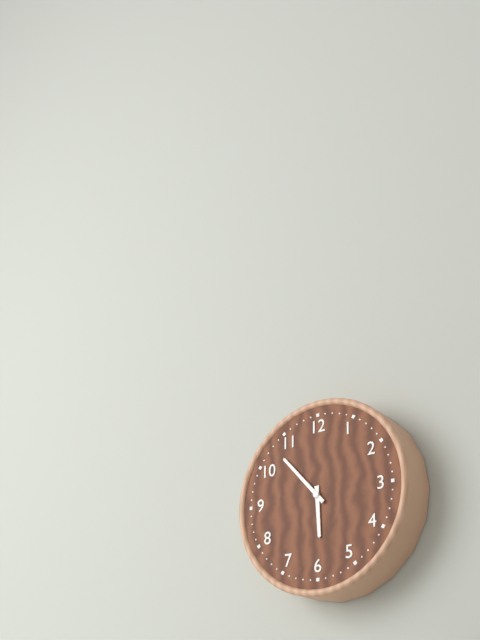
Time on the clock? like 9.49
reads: 5.53
